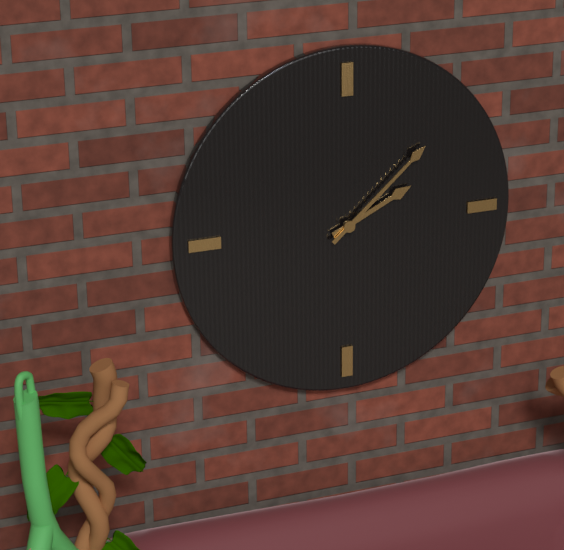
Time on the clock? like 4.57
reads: 2.08
